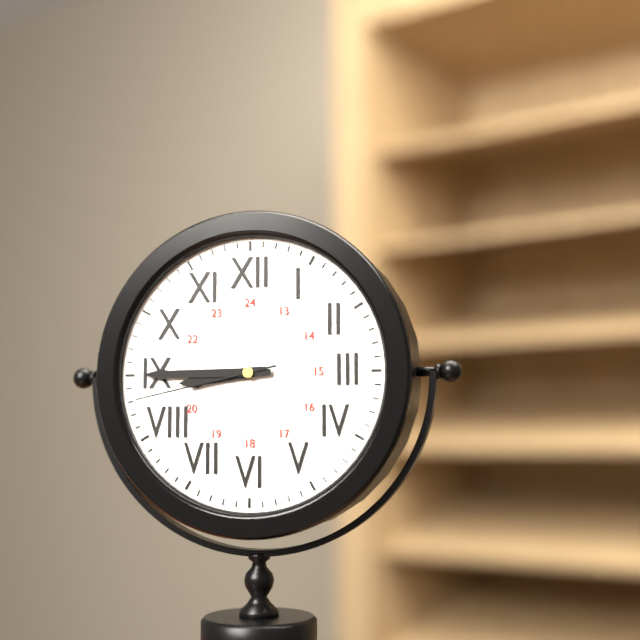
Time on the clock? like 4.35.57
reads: 8.45.43
